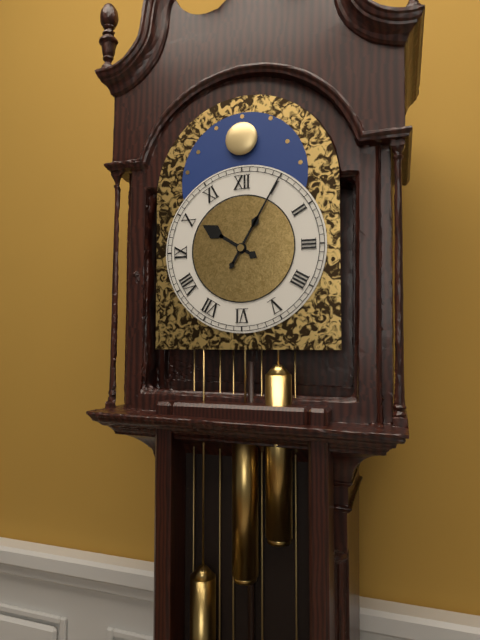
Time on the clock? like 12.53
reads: 10.05
